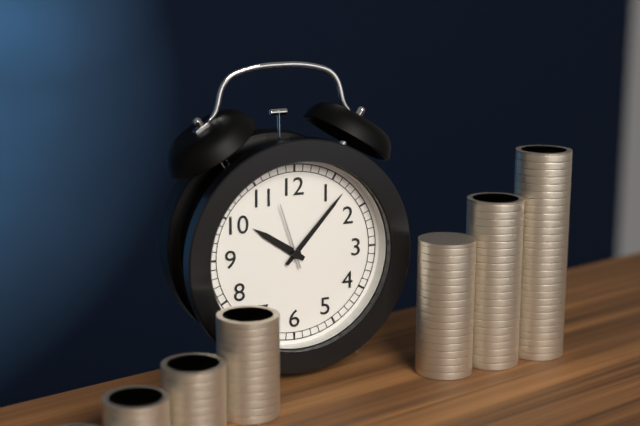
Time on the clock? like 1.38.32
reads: 10.07.57
